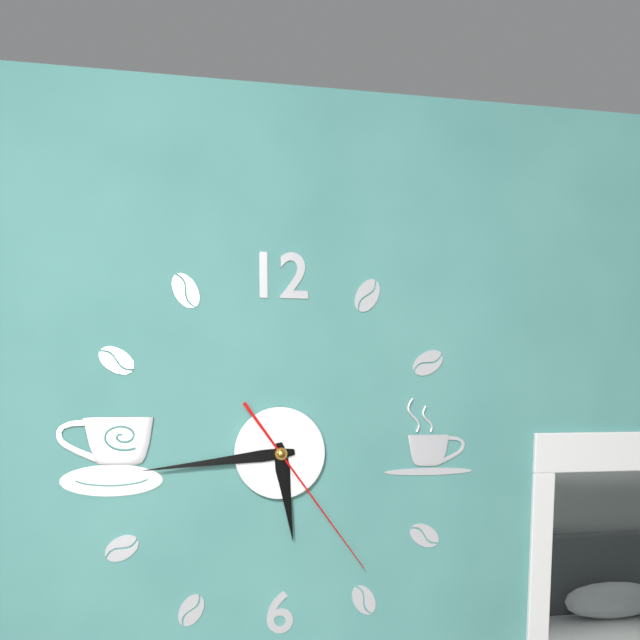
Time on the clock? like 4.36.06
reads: 5.44.24
